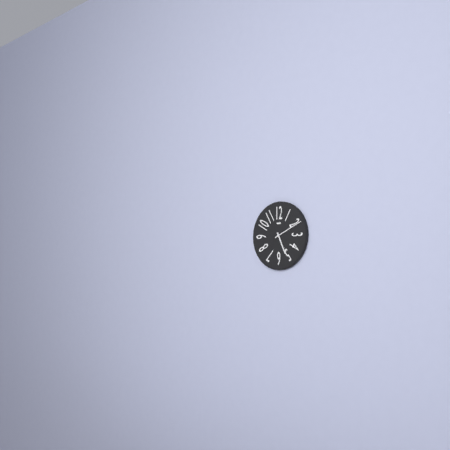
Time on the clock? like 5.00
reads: 5.11
